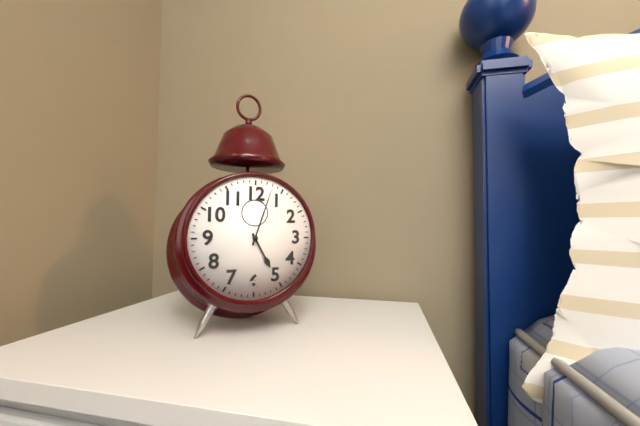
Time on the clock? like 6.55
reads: 5.03
